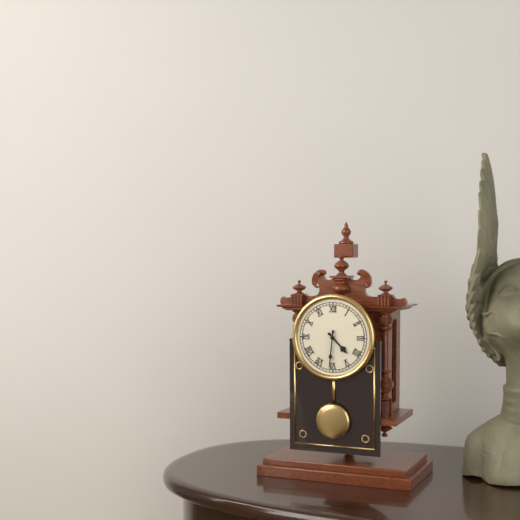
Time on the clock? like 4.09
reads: 4.31
